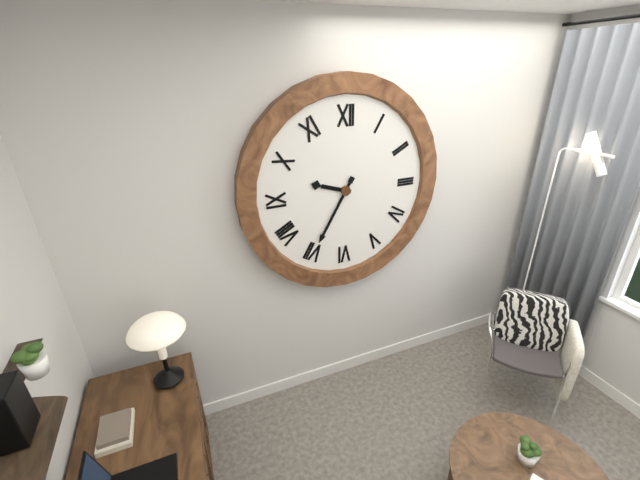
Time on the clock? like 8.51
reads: 9.35
